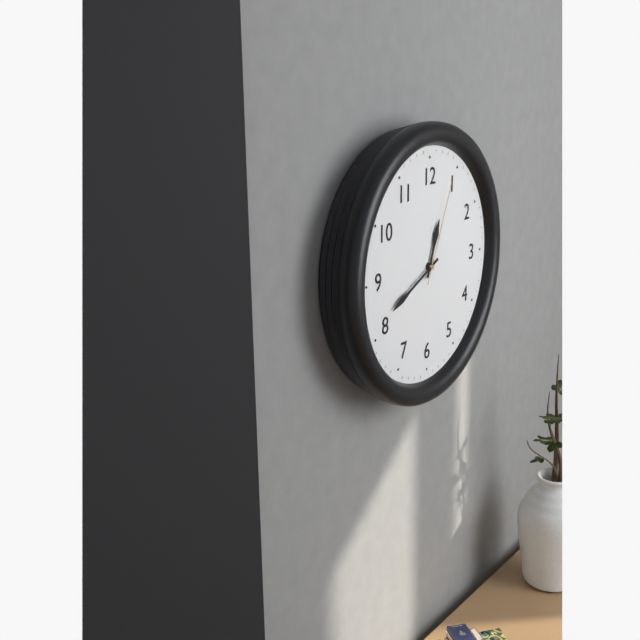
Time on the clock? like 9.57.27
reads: 12.41.04
